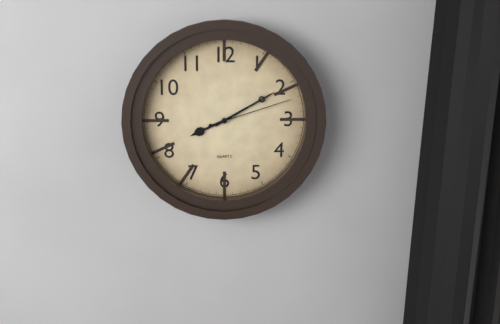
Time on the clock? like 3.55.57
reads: 8.10.12
